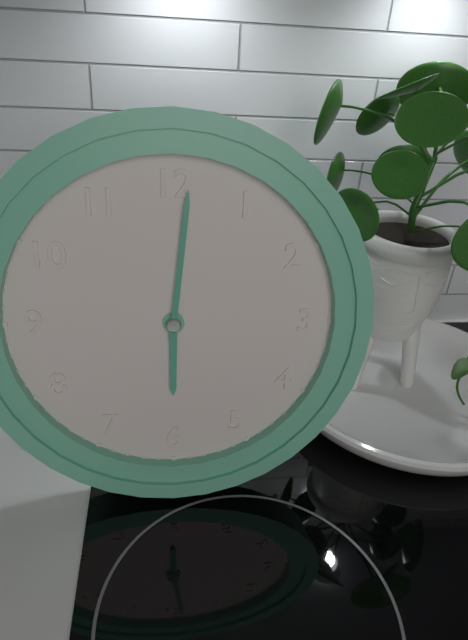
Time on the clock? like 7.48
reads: 6.01
